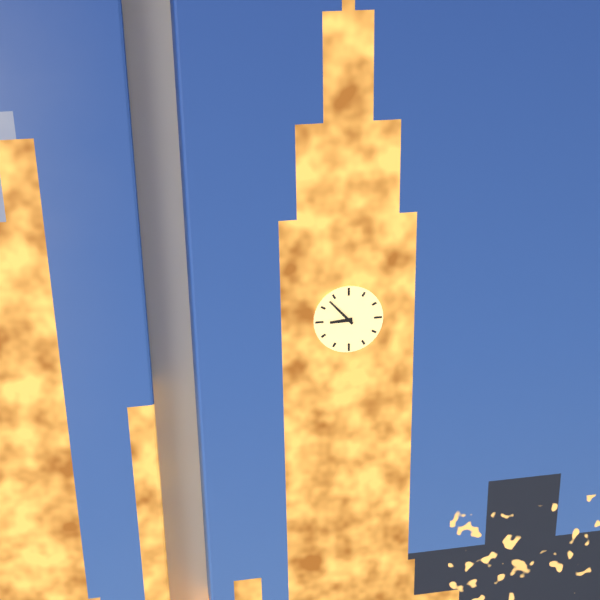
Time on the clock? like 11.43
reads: 8.53
